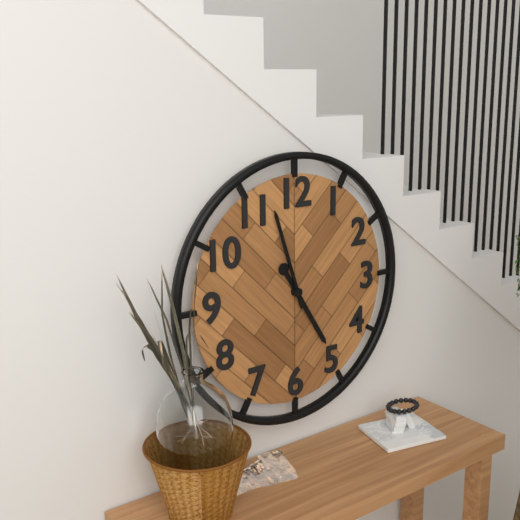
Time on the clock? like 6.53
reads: 4.57
